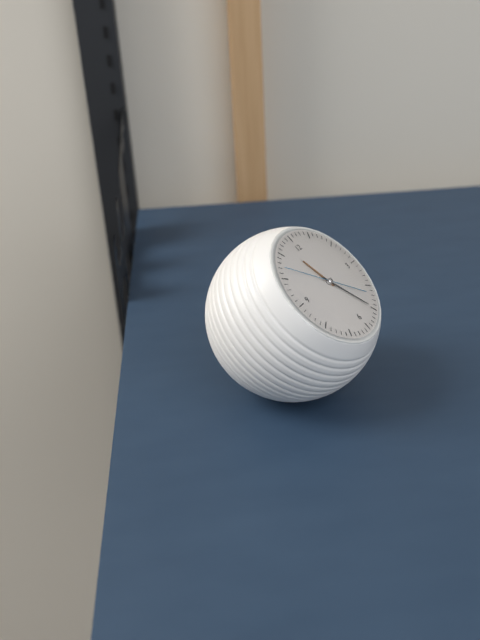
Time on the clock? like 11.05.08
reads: 11.25.52
